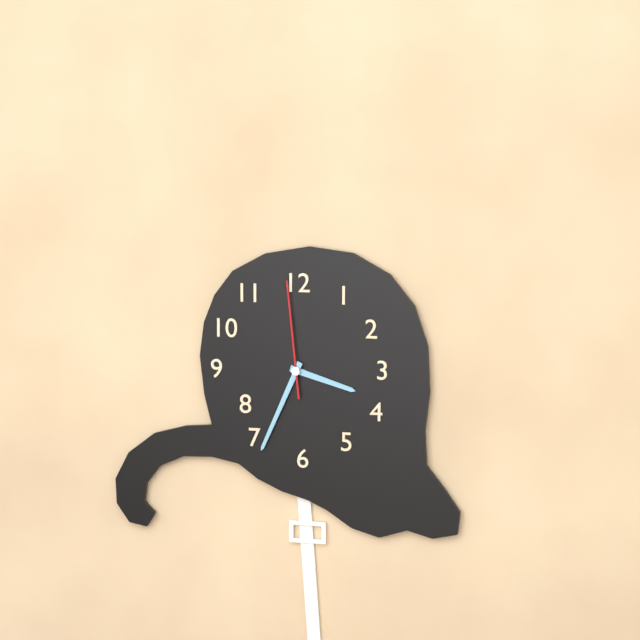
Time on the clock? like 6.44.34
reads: 3.34.59
